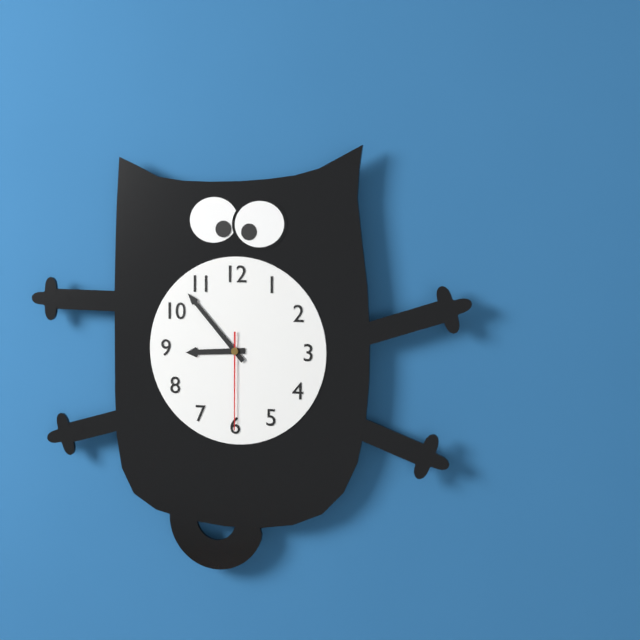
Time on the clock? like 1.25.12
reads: 8.53.30
